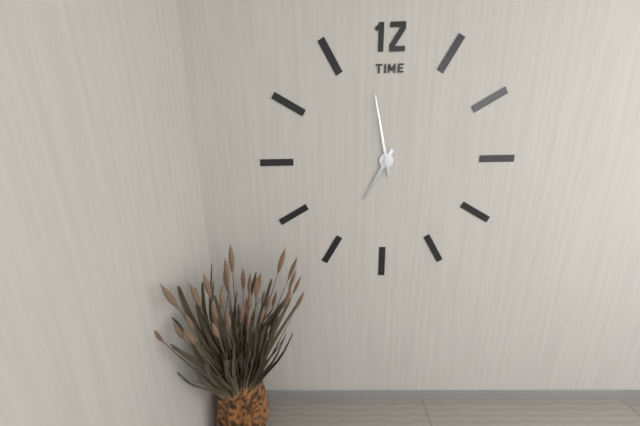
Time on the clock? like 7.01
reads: 6.58
